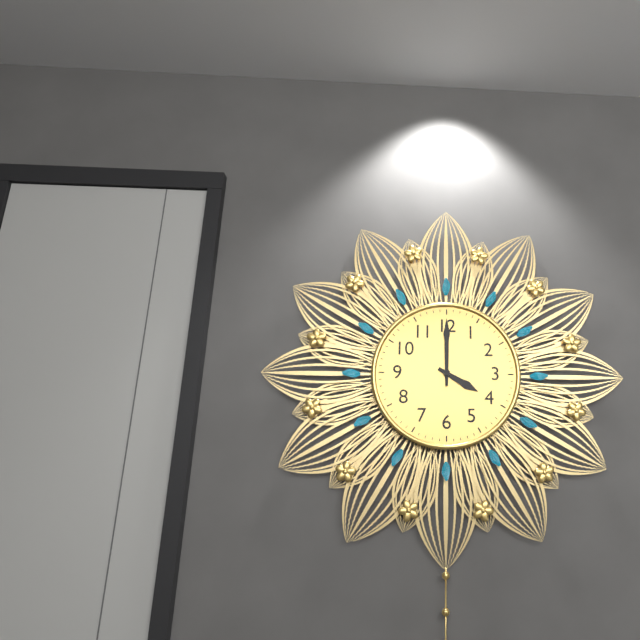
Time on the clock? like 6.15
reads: 4.00
